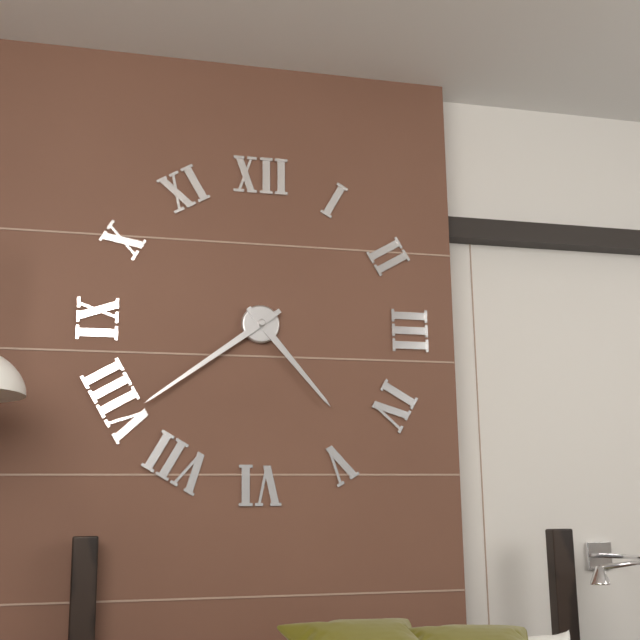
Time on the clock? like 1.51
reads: 4.39
